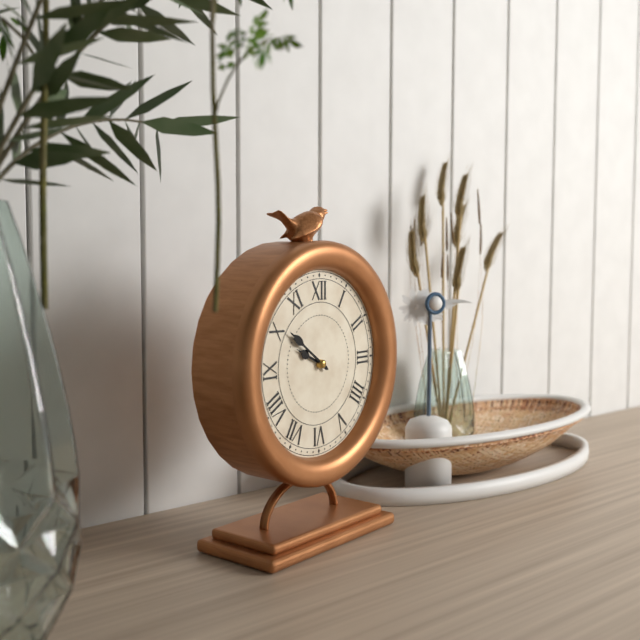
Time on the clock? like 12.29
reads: 9.51
